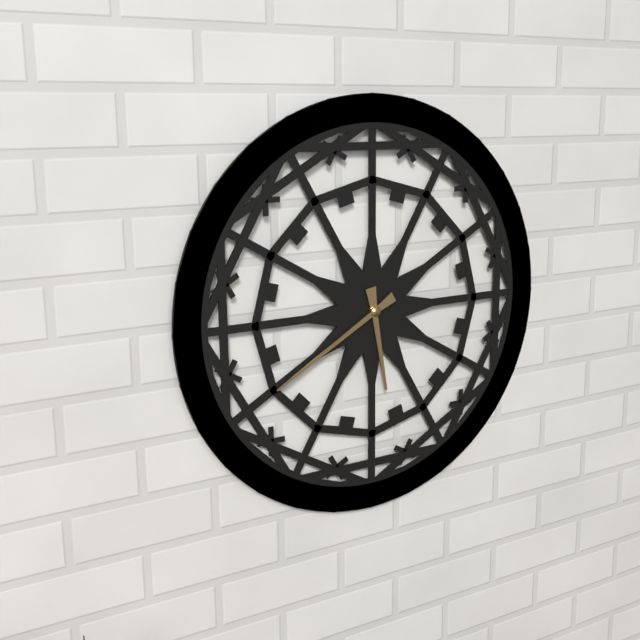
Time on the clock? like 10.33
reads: 5.40
